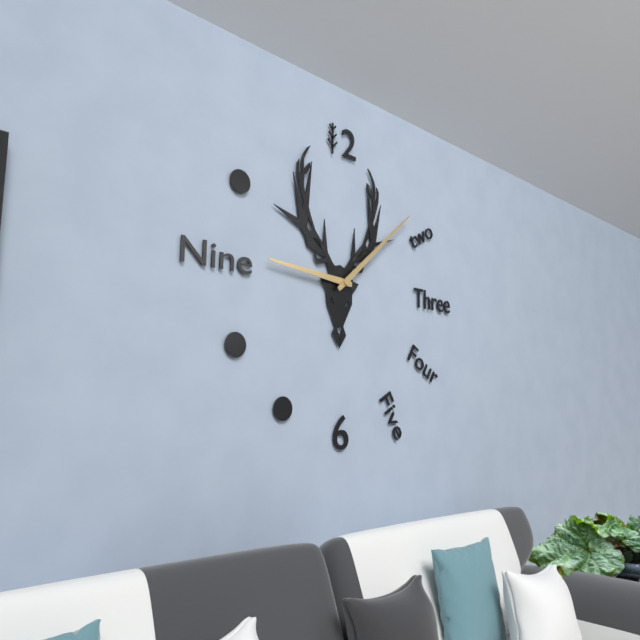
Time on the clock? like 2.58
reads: 9.08
